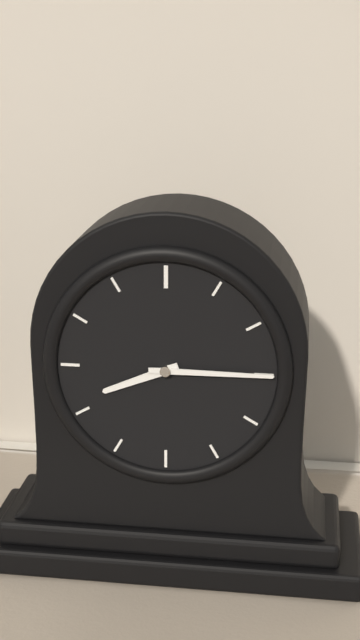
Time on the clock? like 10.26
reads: 8.15
